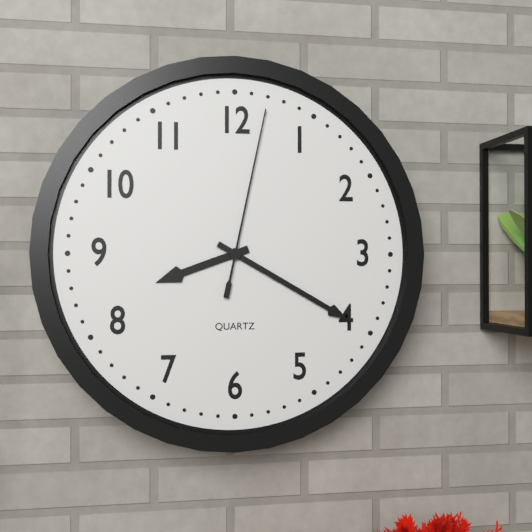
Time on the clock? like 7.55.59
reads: 8.20.02
